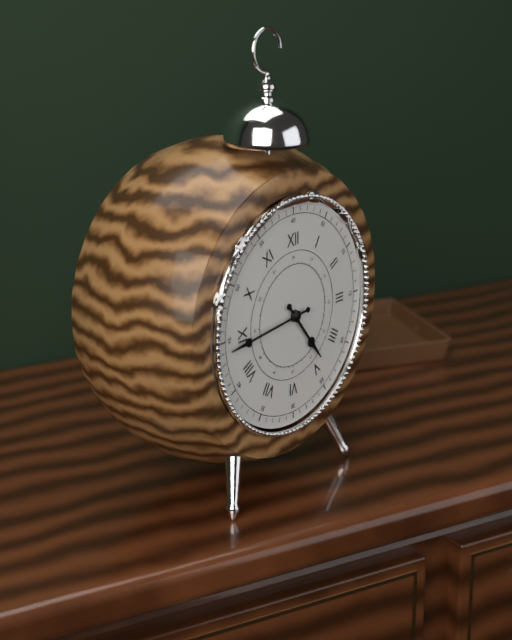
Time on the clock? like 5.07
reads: 4.44
